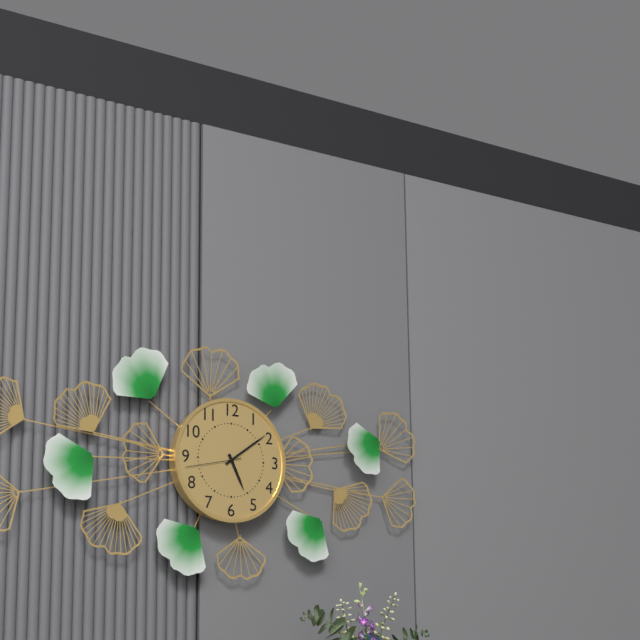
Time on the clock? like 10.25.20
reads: 5.09.43
